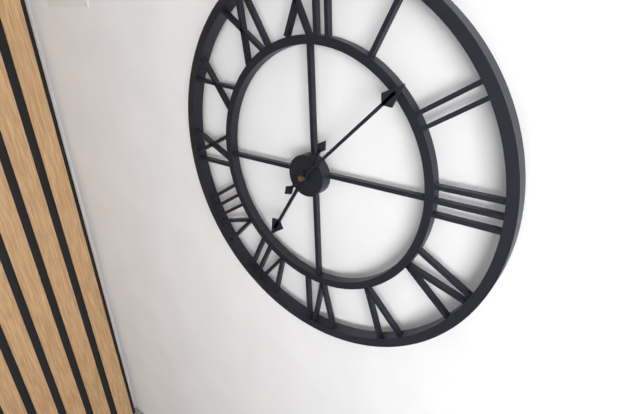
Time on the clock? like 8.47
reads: 7.08
